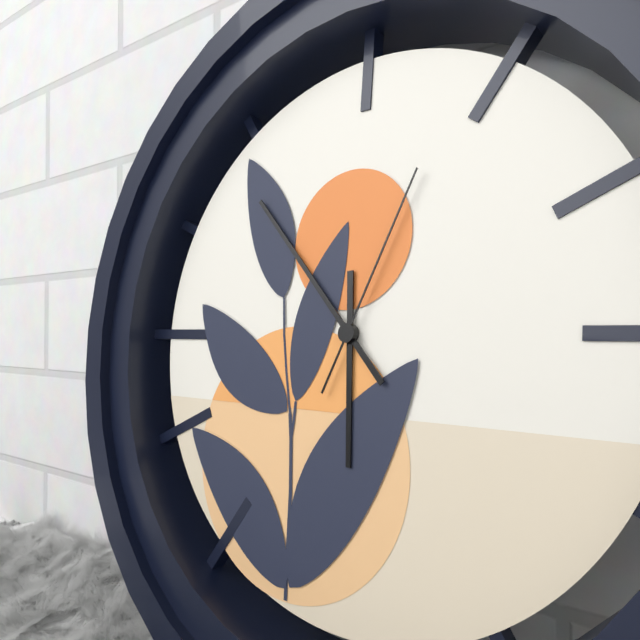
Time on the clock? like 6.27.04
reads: 5.53.04
